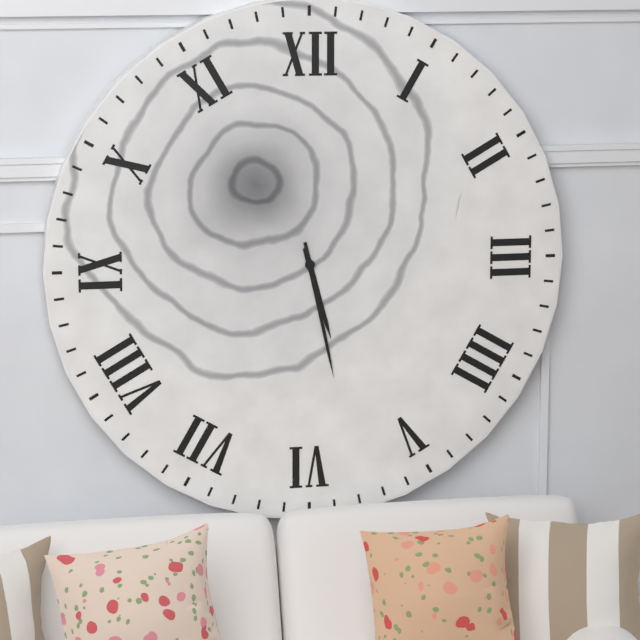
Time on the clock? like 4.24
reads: 5.28
